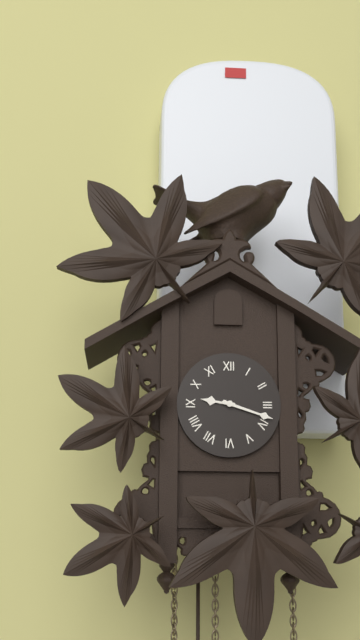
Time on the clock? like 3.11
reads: 9.18
